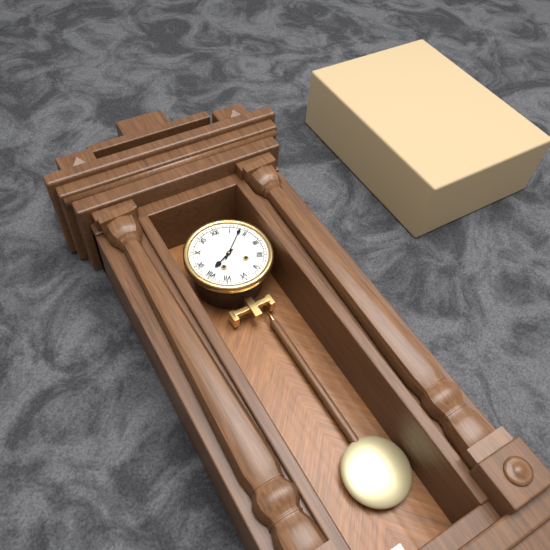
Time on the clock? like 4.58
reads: 8.08
